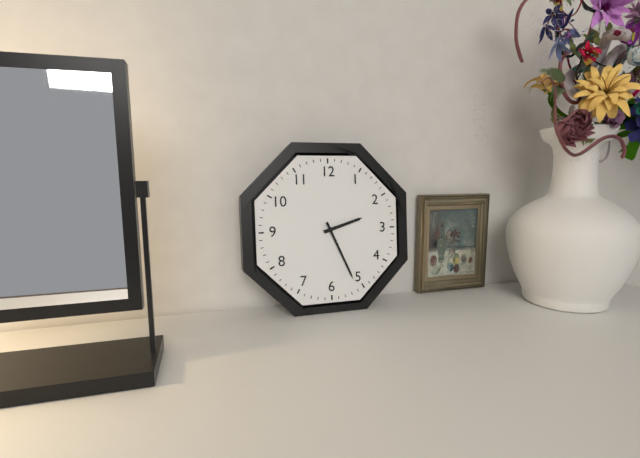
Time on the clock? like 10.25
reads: 2.26
